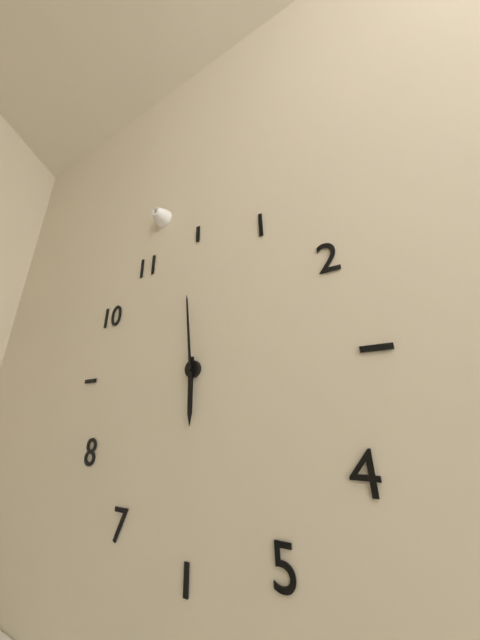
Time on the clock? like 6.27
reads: 5.59
